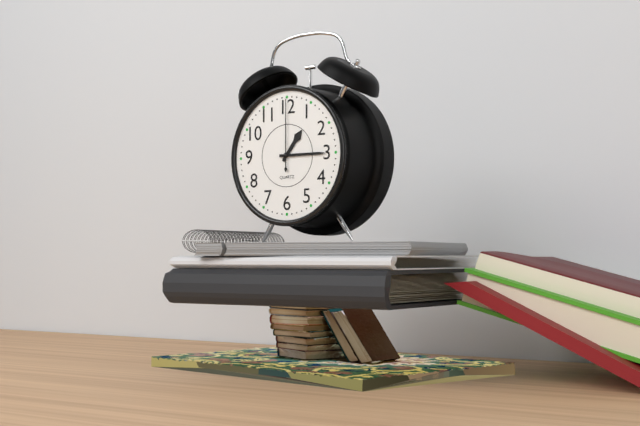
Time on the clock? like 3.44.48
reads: 1.15.00
